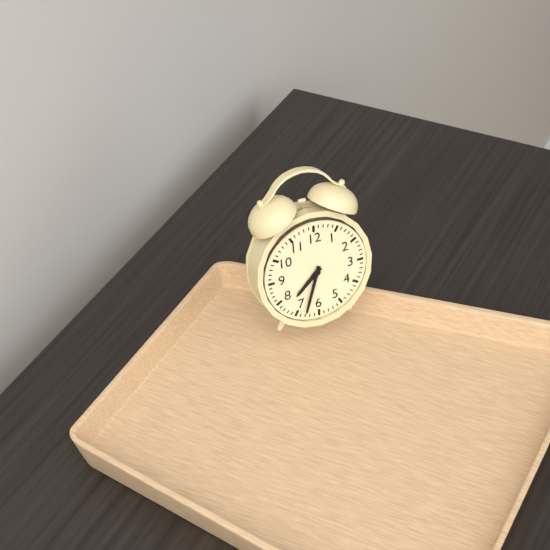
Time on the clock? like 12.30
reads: 7.33
